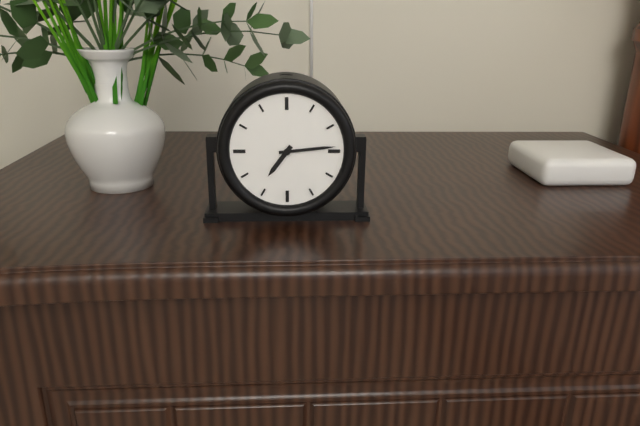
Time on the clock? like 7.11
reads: 7.14
